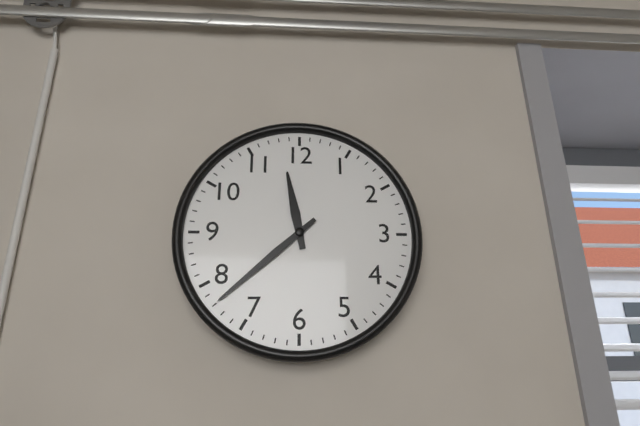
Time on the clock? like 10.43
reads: 11.38
